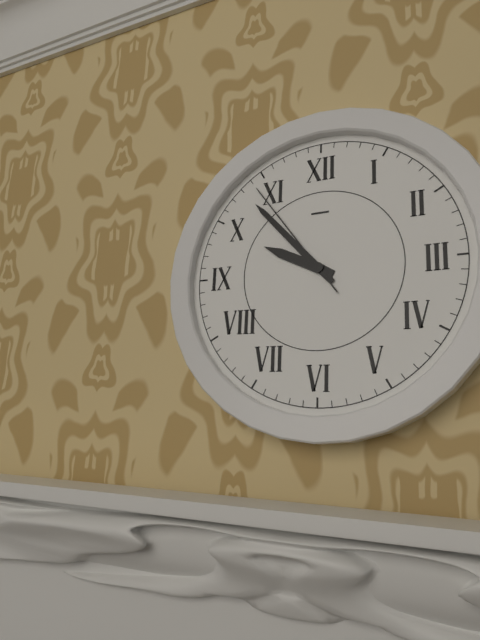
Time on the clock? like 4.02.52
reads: 9.53.54
